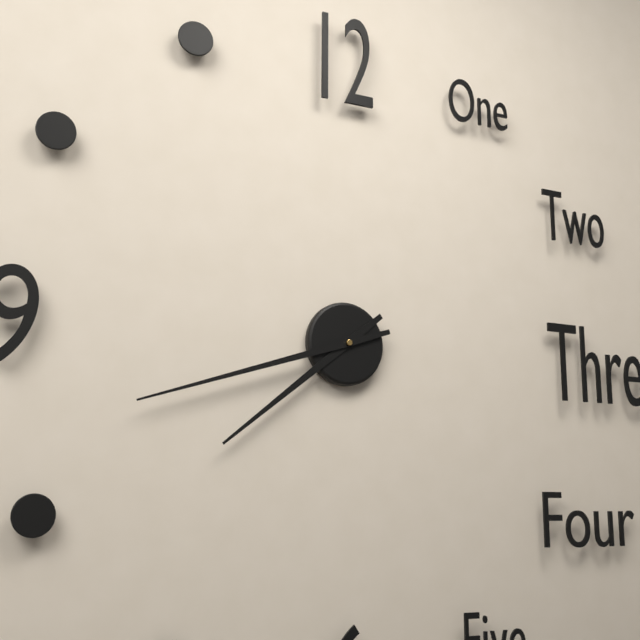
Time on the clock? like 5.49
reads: 7.42
